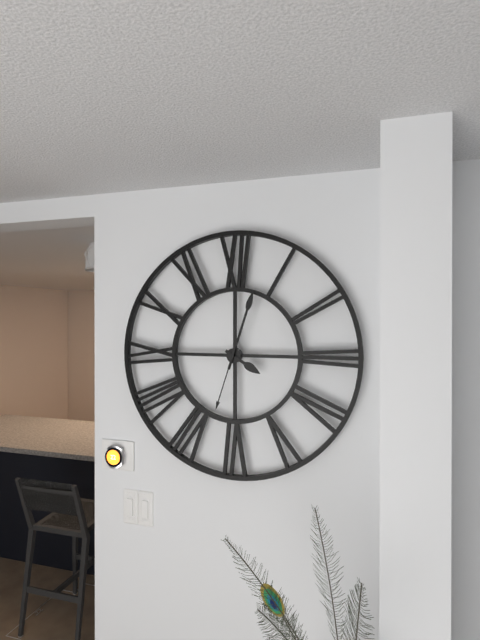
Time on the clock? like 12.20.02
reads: 4.03.33
